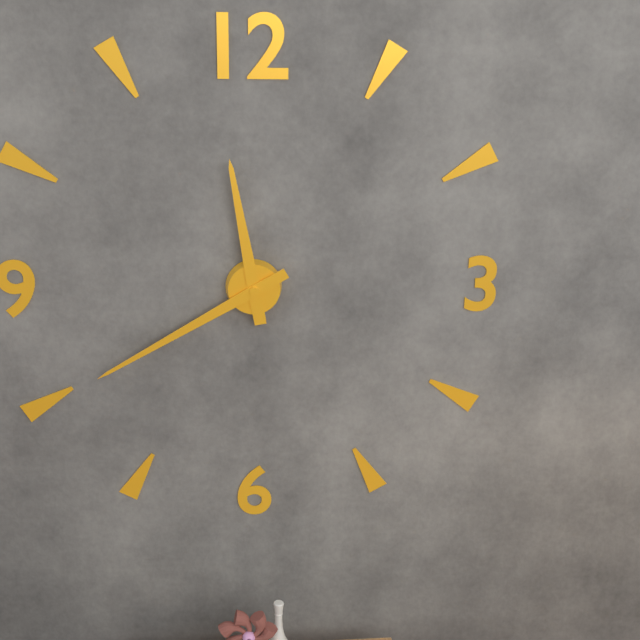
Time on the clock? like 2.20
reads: 11.40
